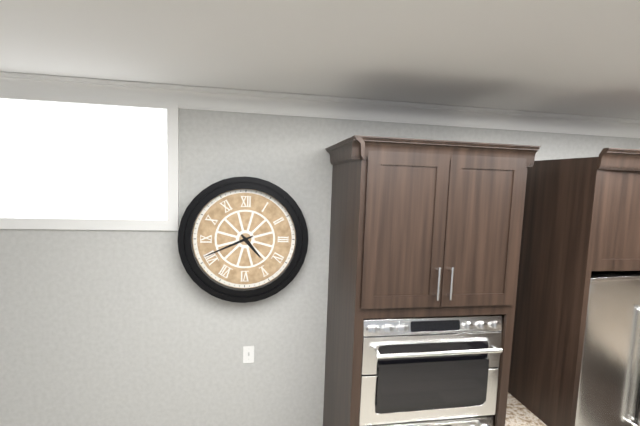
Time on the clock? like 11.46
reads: 4.41
